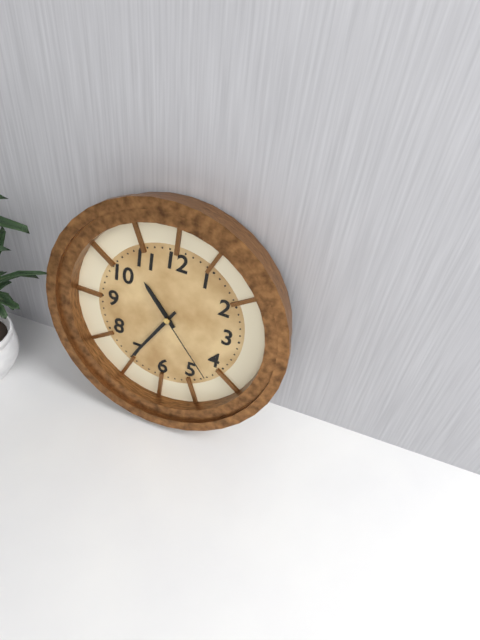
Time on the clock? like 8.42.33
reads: 10.35.23
